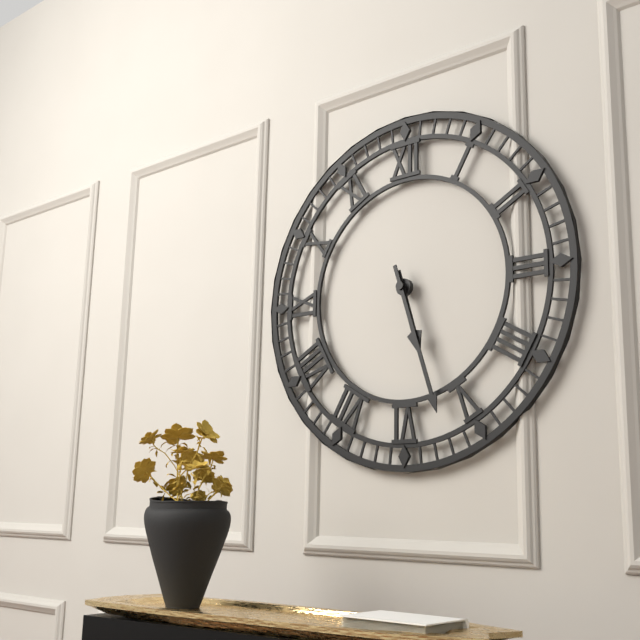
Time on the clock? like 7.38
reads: 5.27
